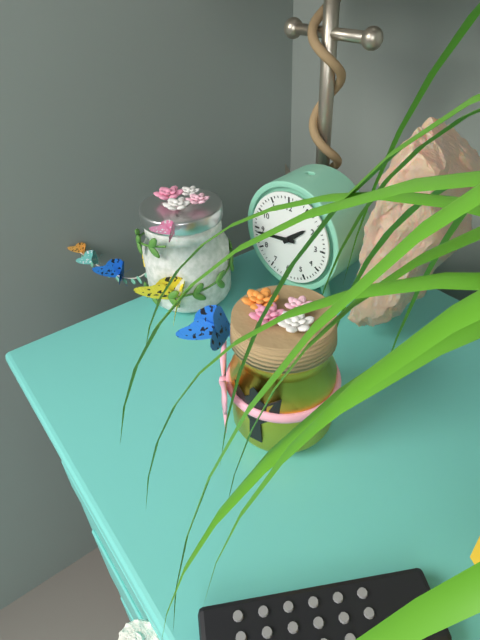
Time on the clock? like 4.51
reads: 1.44
